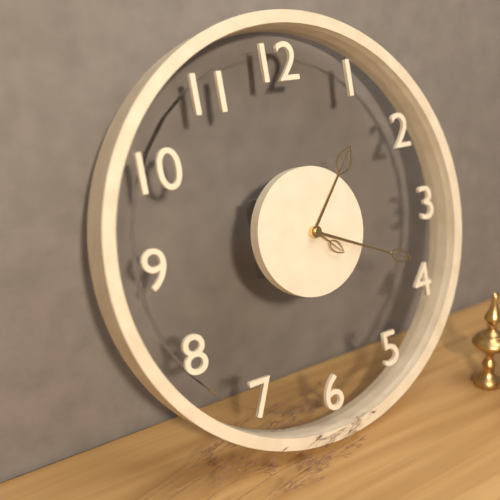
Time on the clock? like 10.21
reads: 1.19
